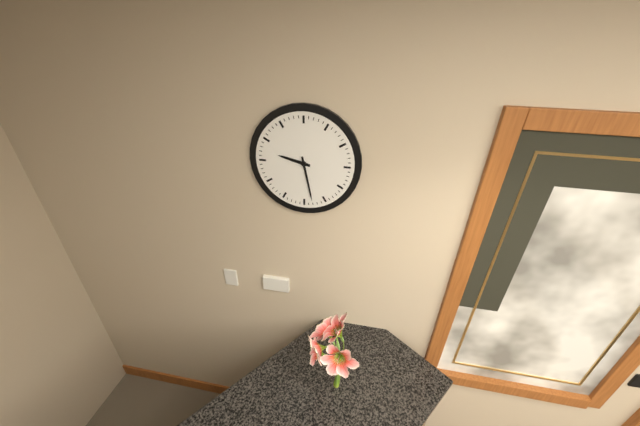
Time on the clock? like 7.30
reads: 9.28
